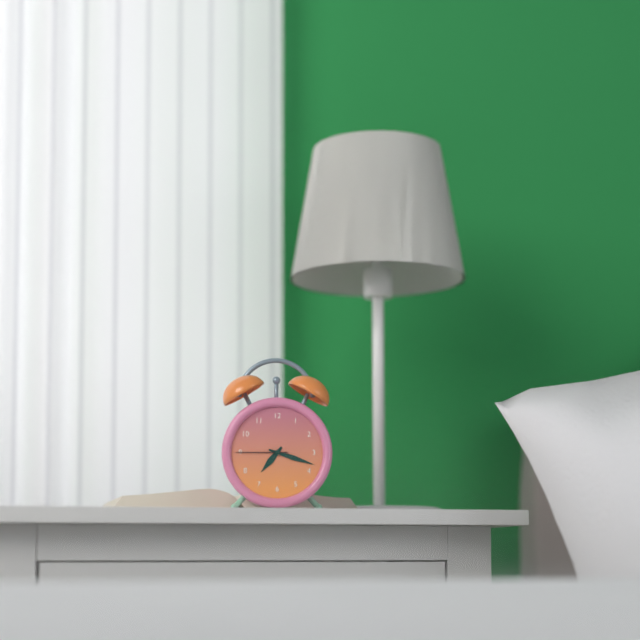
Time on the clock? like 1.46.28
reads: 7.18.45
